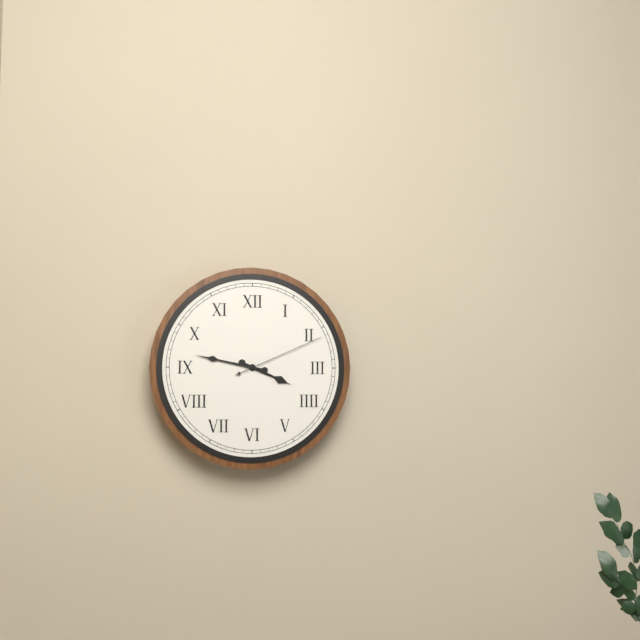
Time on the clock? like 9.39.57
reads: 3.47.11
